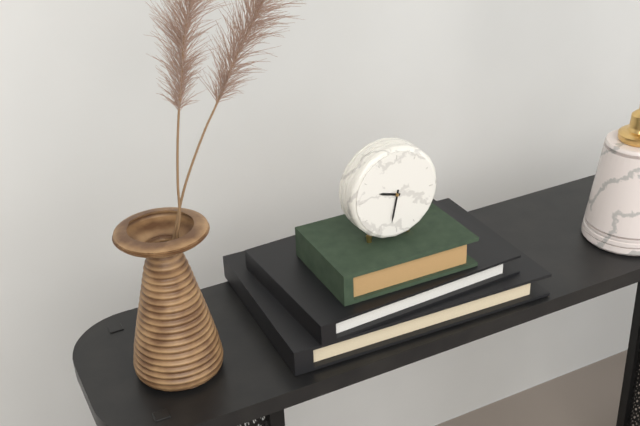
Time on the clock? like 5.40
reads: 9.32
